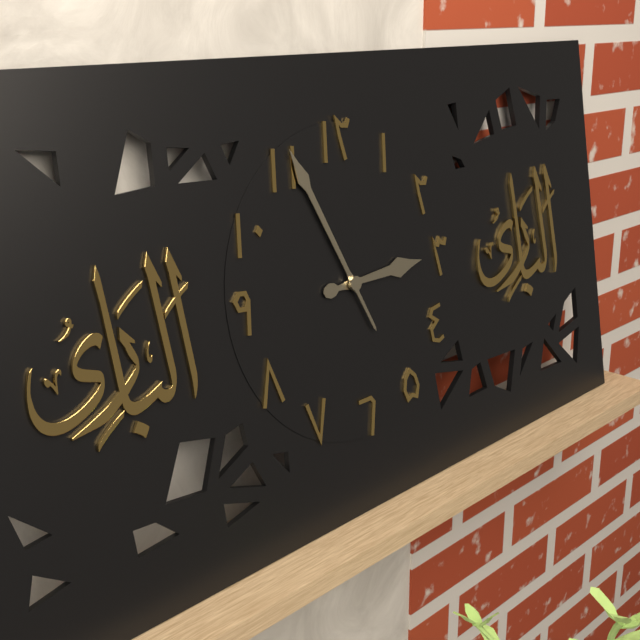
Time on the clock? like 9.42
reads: 2.56
